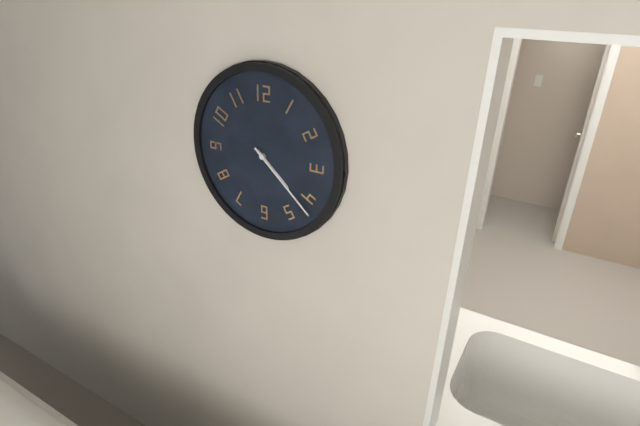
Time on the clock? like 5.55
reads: 4.22
